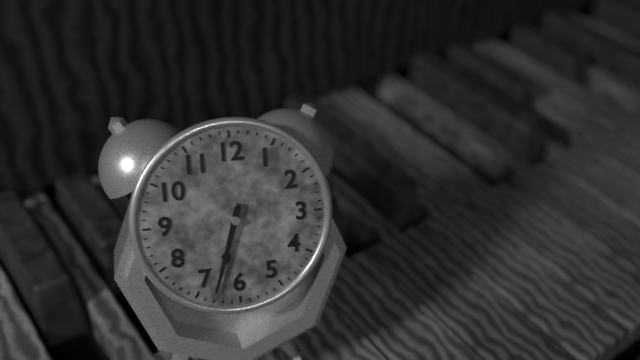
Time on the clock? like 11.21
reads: 6.33
